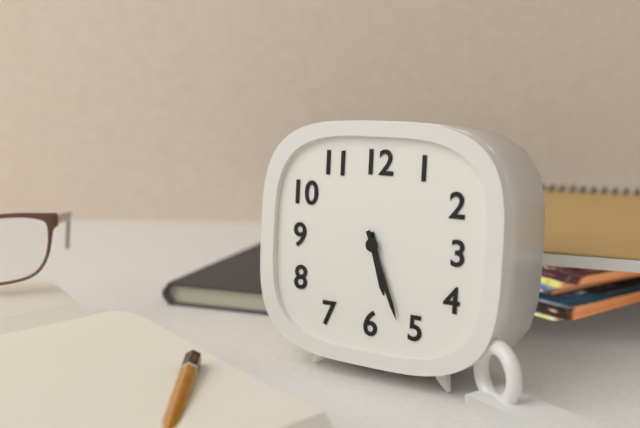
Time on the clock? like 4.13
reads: 5.26
